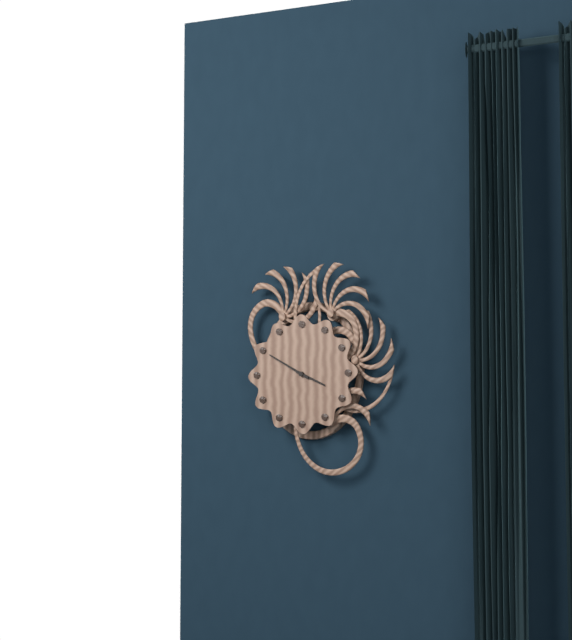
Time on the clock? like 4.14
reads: 3.50
